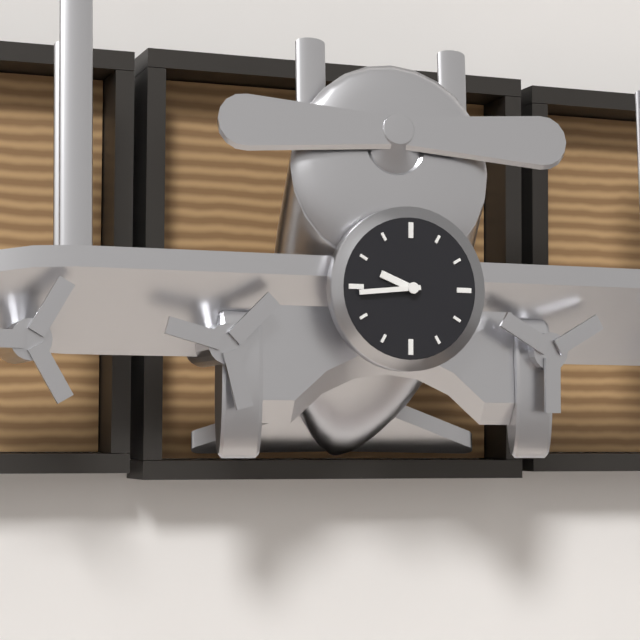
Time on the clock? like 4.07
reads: 9.44
